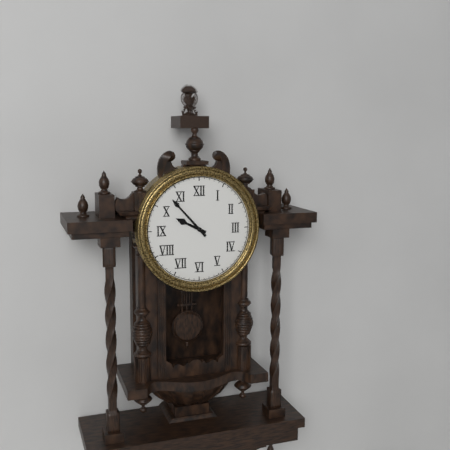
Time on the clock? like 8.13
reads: 9.53
